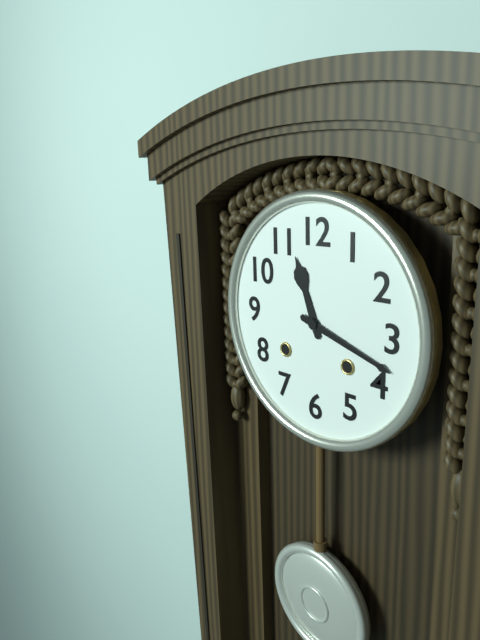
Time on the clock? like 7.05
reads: 11.18
